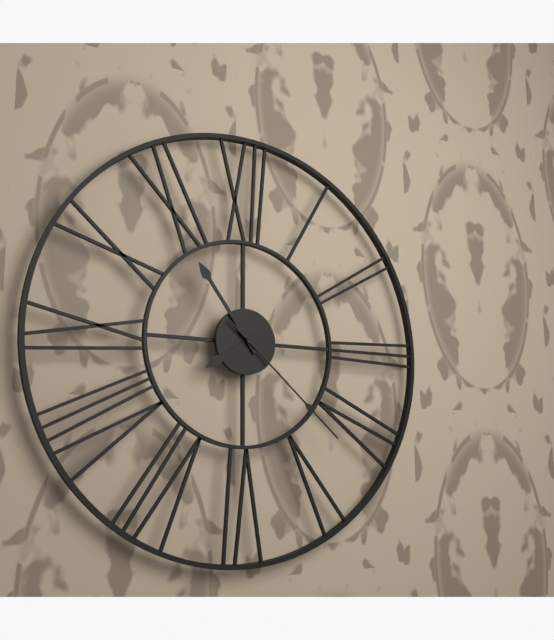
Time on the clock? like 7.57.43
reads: 7.54.22
